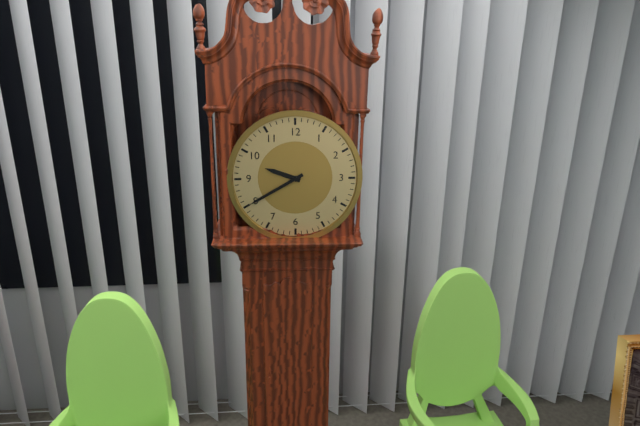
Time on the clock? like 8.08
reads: 9.40
